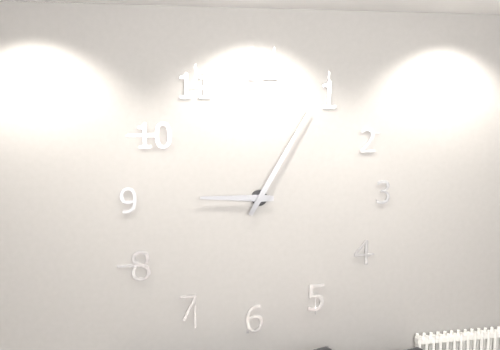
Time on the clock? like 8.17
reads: 9.05
